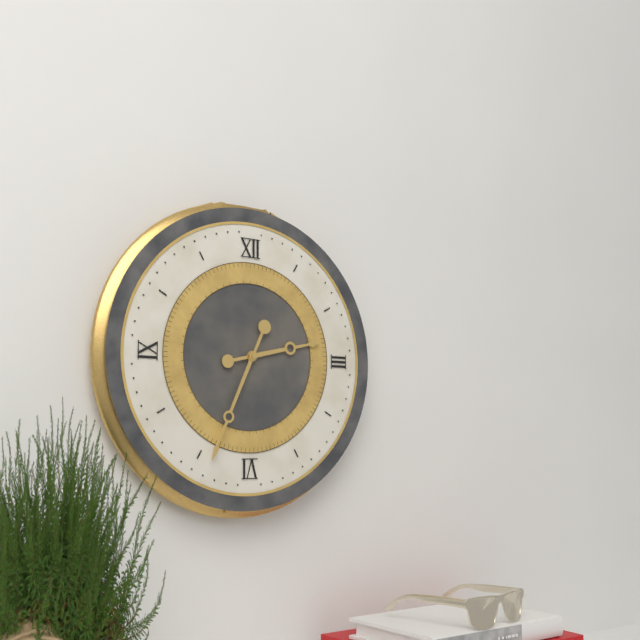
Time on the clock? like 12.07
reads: 2.34
